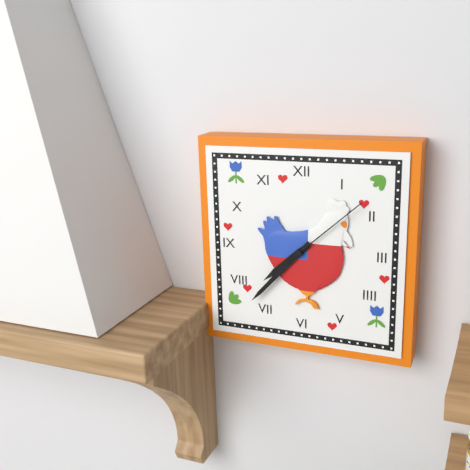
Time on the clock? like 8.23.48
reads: 7.37.08
